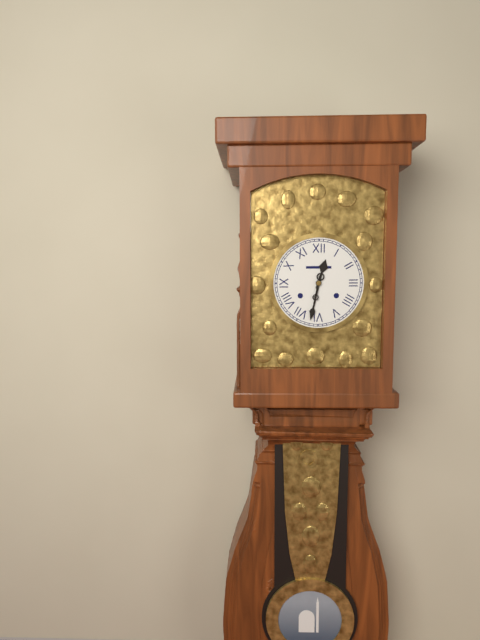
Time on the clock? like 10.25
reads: 12.32
